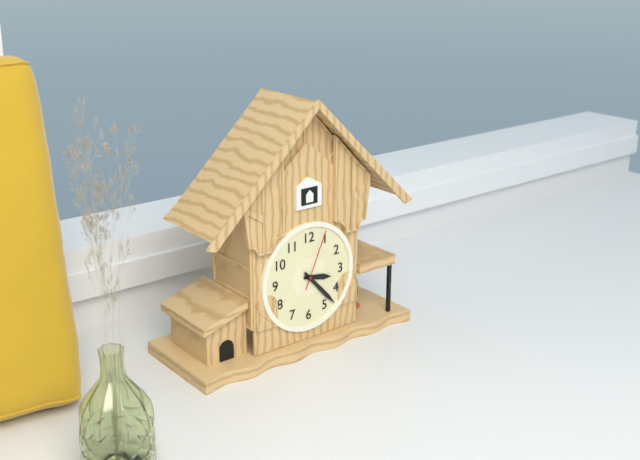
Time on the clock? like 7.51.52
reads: 3.23.04
